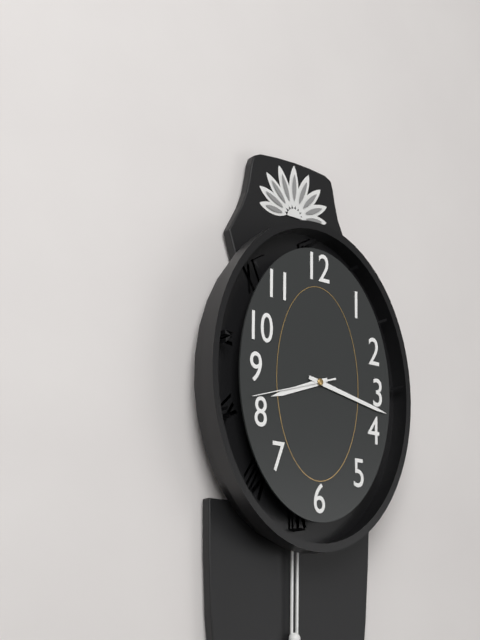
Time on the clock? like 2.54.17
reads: 8.17.42
